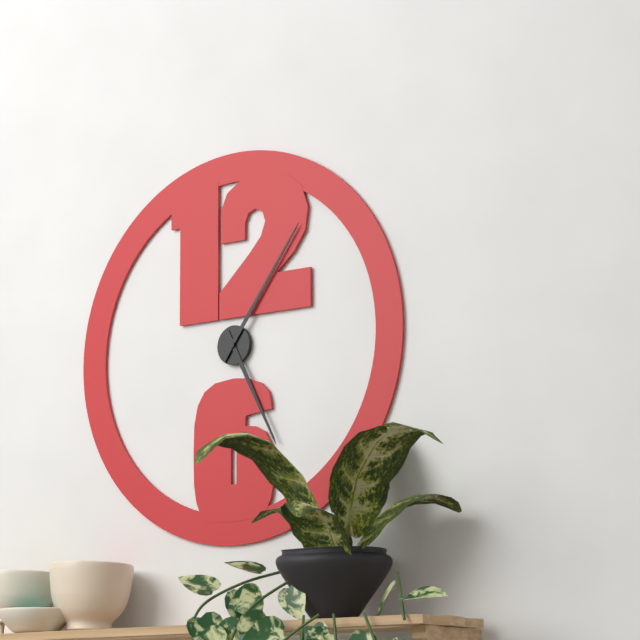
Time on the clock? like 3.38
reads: 5.06
